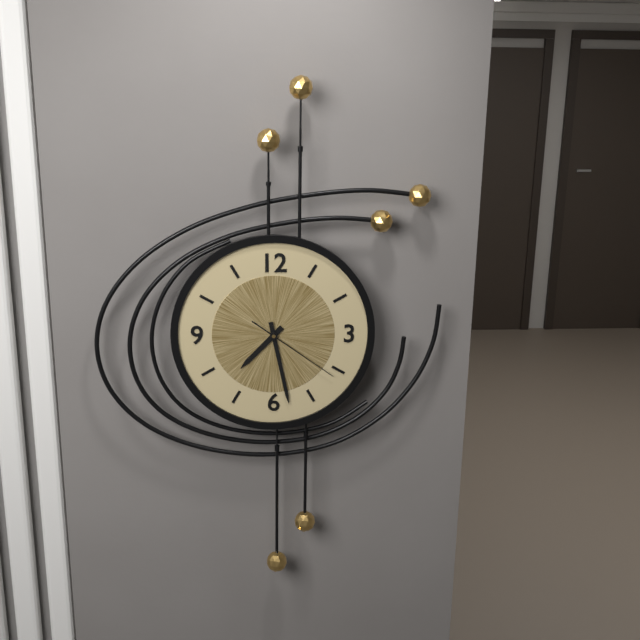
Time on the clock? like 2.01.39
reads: 7.28.21
